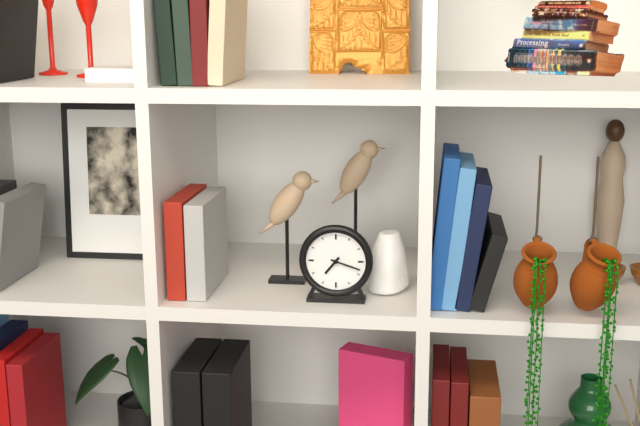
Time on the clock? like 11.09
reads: 7.18
